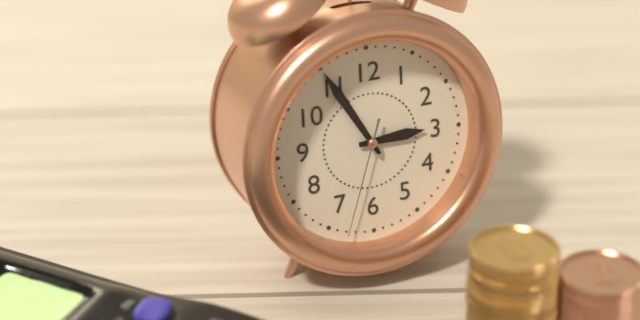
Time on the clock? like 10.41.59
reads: 2.55.33
